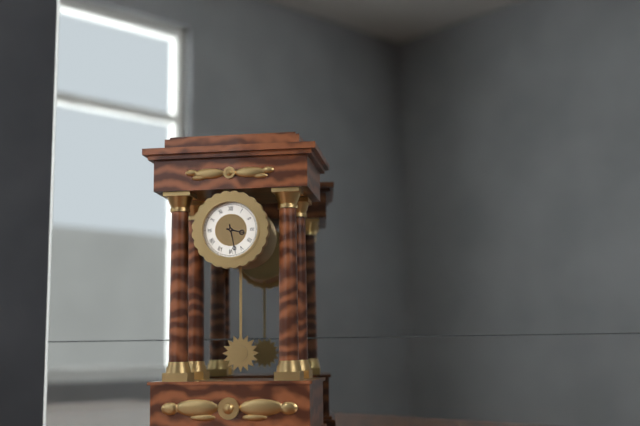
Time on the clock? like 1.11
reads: 3.28
